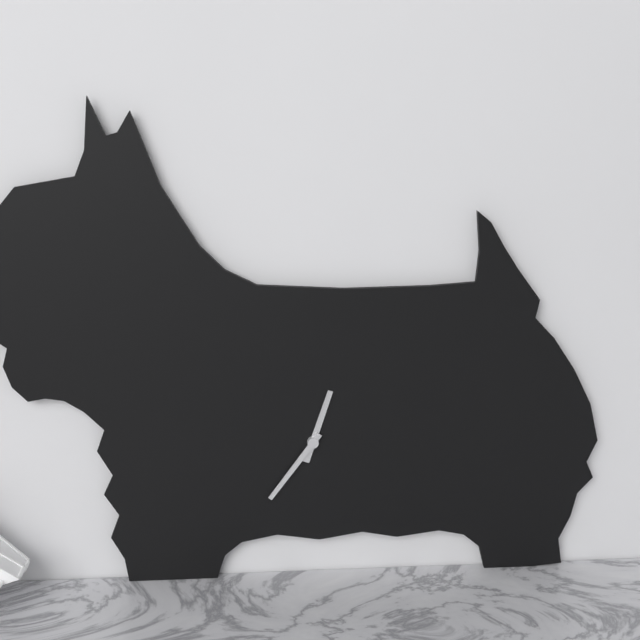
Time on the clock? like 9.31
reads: 12.36
